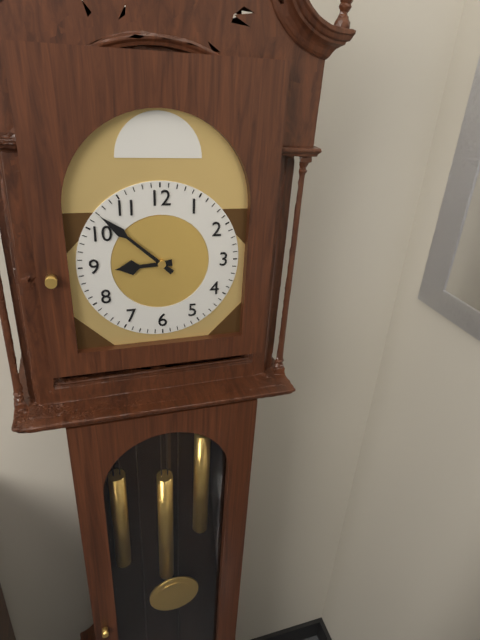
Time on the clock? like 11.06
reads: 8.52
